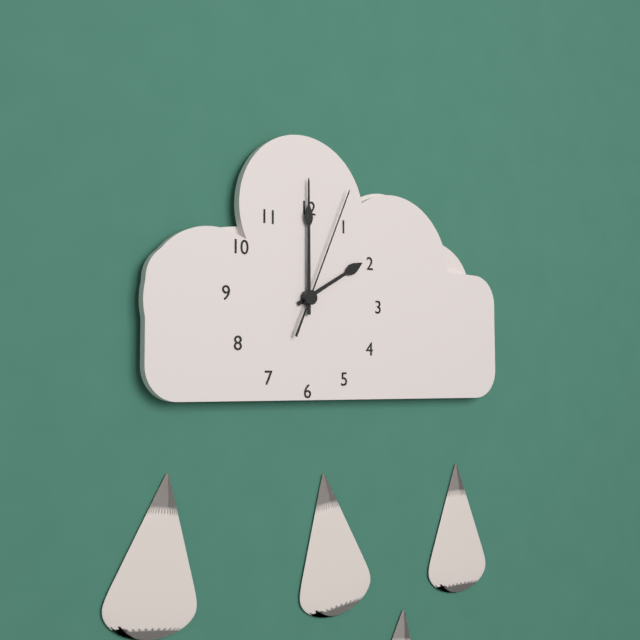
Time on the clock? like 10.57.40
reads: 2.00.04
